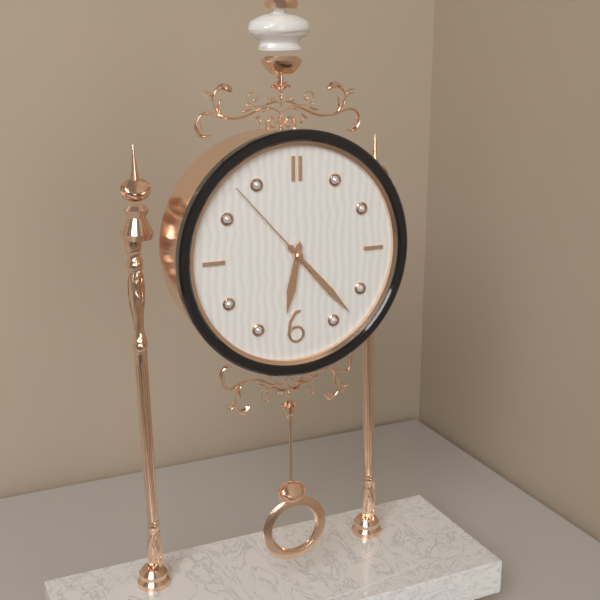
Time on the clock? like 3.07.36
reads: 6.23.53
